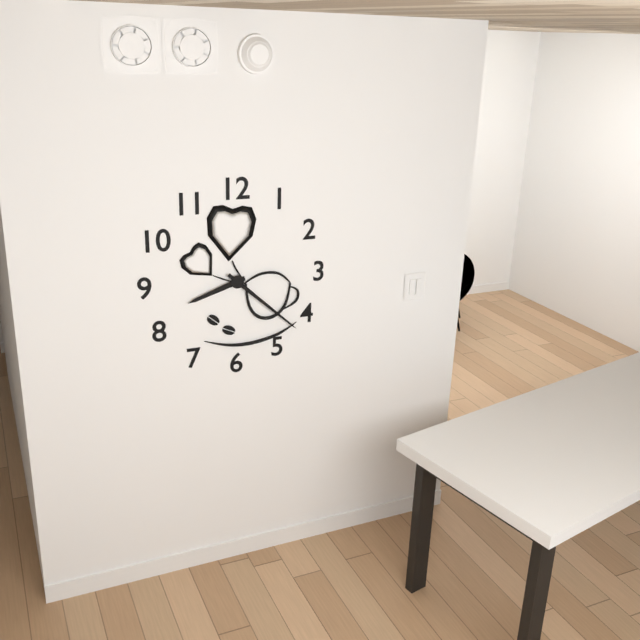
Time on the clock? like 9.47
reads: 8.22
